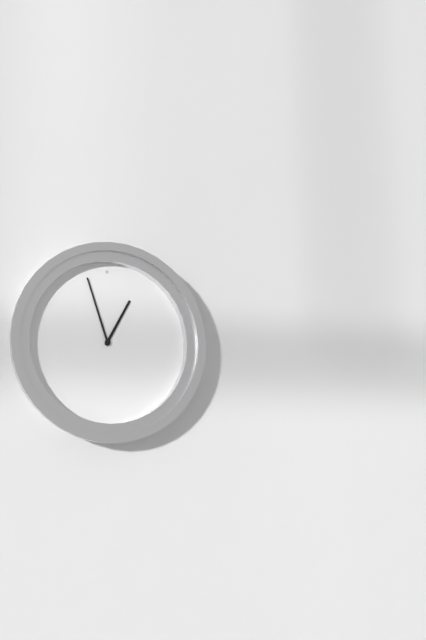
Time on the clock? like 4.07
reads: 12.57
